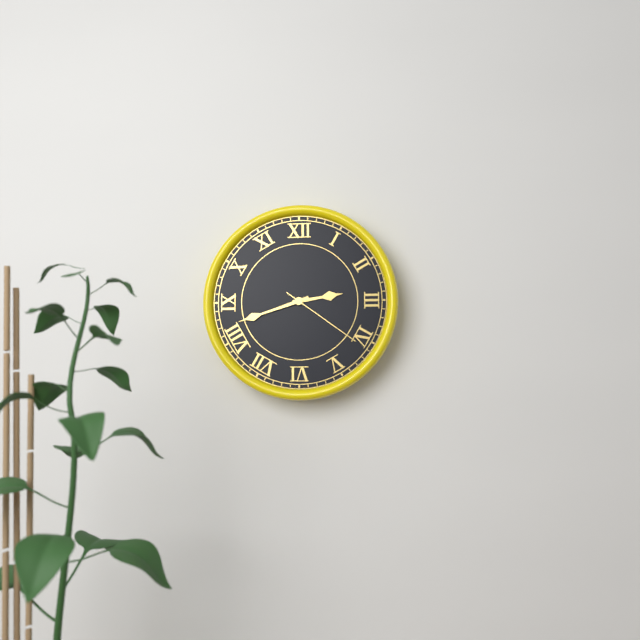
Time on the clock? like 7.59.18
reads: 2.42.21
